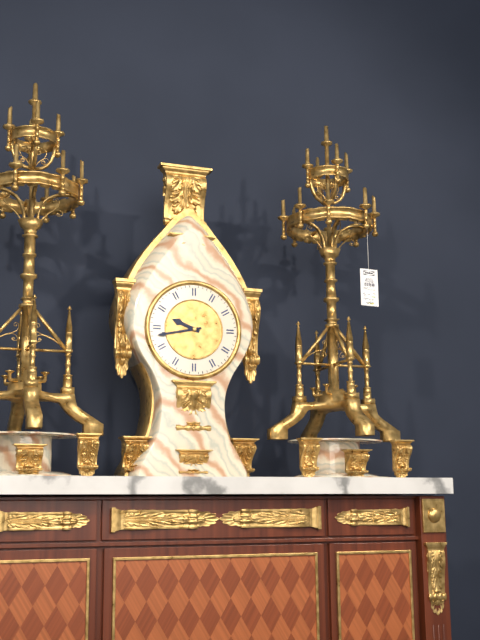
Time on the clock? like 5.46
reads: 9.43
